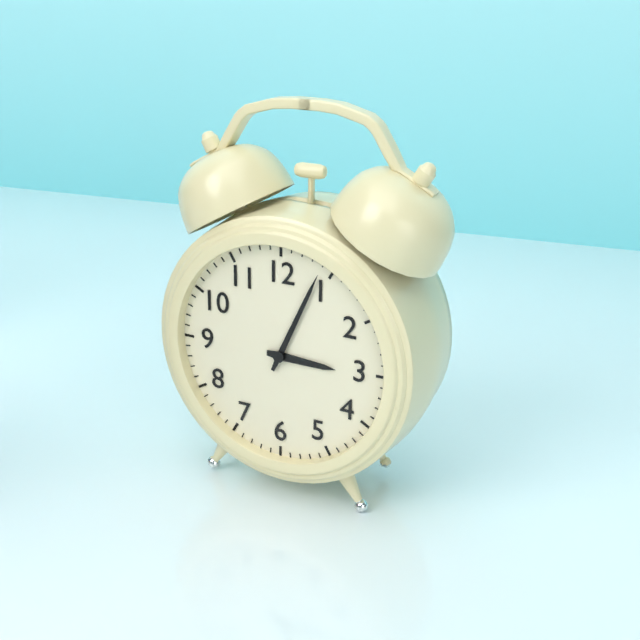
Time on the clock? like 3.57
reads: 3.04
